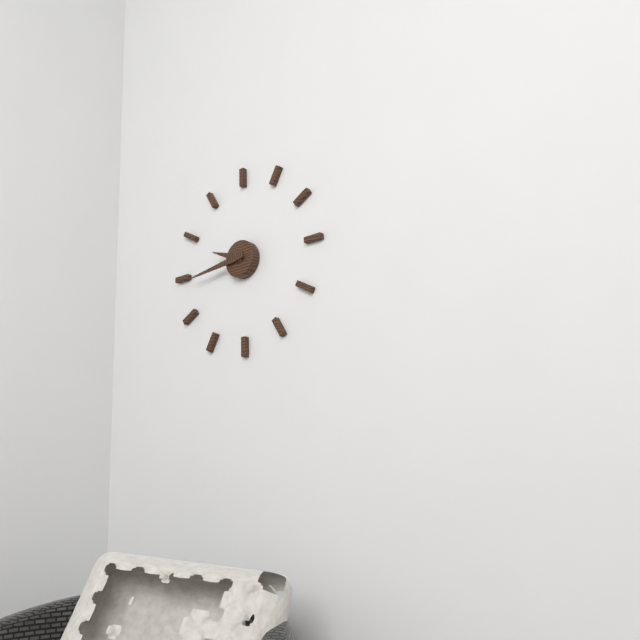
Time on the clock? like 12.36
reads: 9.44
